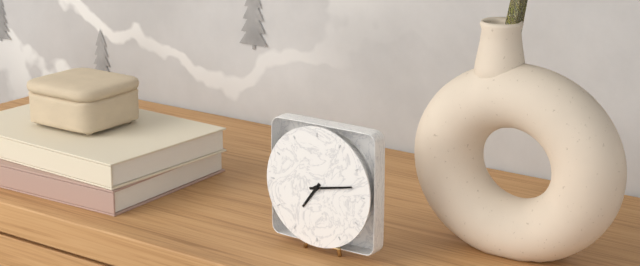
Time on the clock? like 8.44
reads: 7.13
